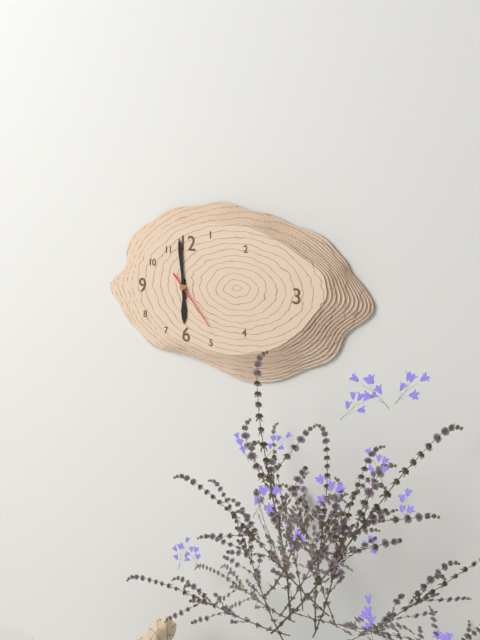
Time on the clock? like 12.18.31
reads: 5.59.23
